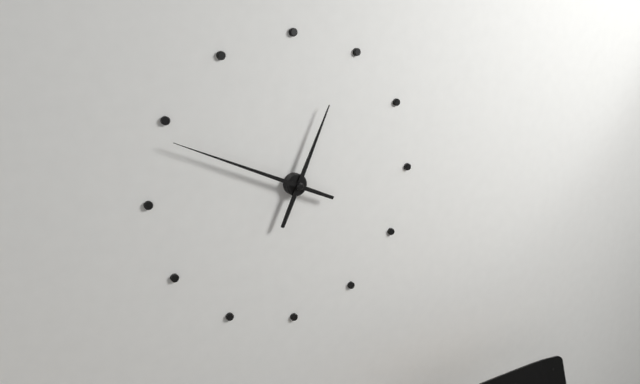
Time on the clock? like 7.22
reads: 12.49
